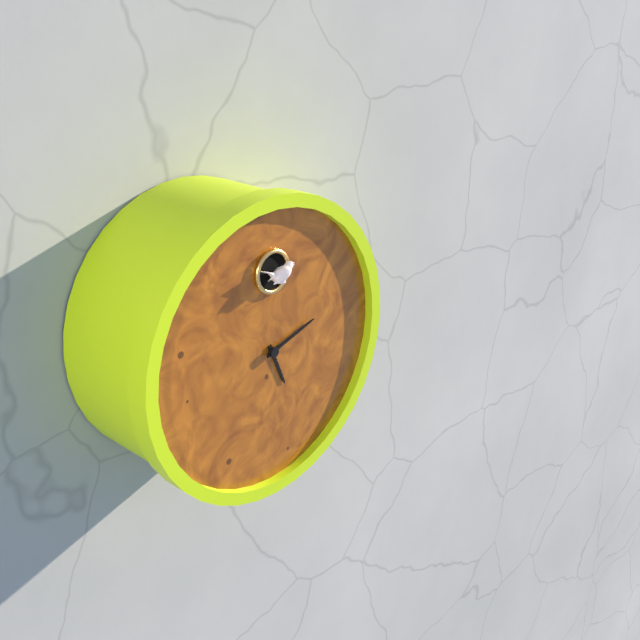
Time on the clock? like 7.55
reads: 5.12
